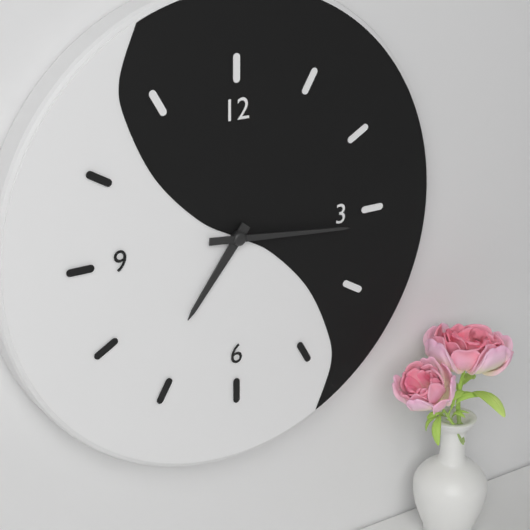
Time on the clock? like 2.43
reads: 7.16
